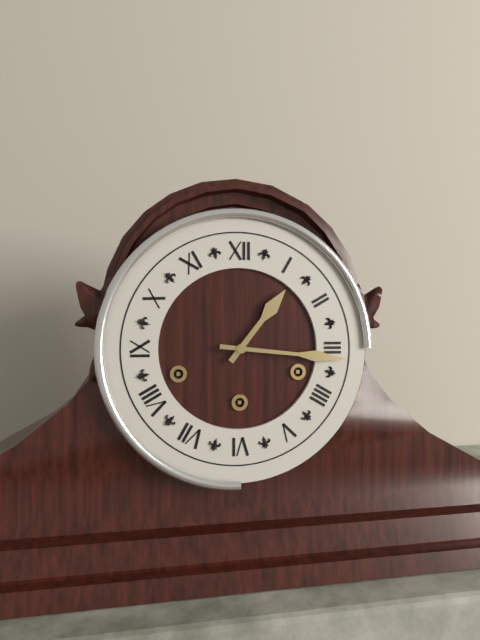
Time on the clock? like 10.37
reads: 1.16
